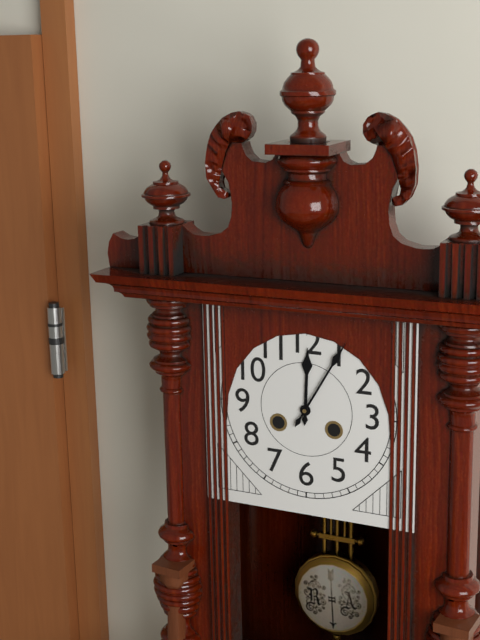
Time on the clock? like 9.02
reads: 12.05
